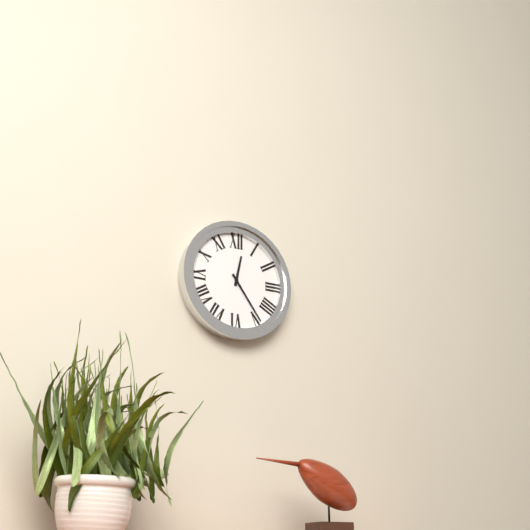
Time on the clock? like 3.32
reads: 12.24
